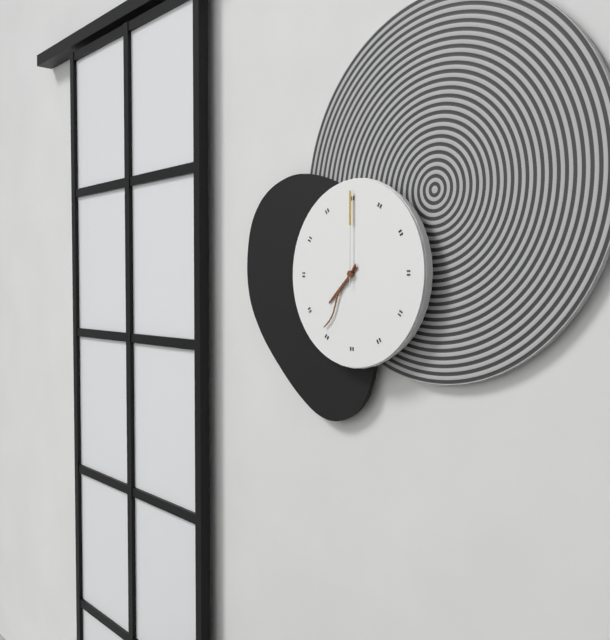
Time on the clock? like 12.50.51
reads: 7.36.00
